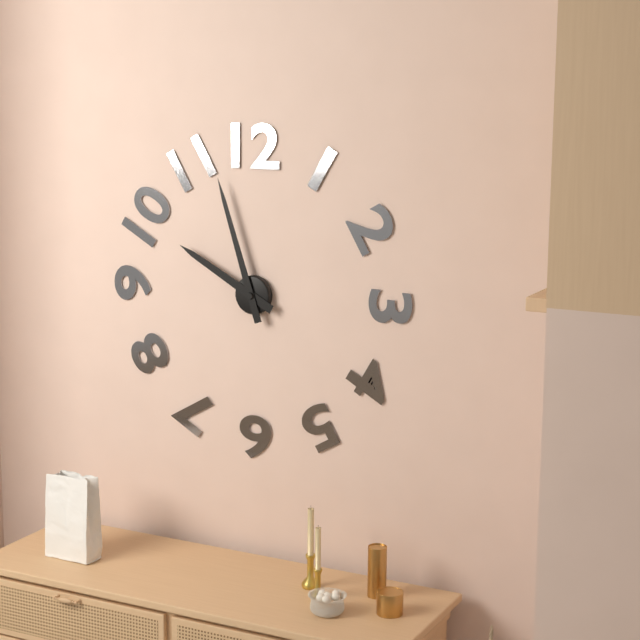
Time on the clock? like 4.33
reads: 9.57
